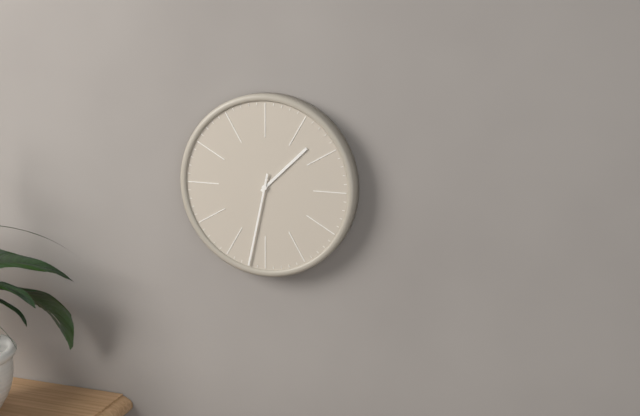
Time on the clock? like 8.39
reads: 1.32
